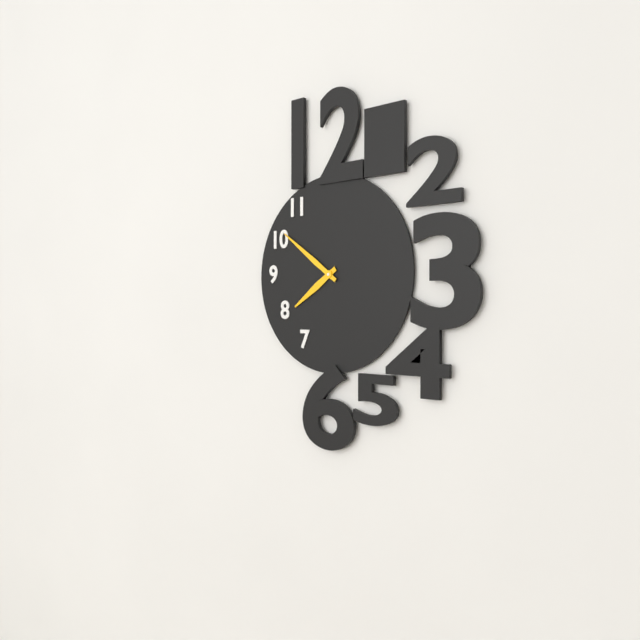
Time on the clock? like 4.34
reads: 7.51
